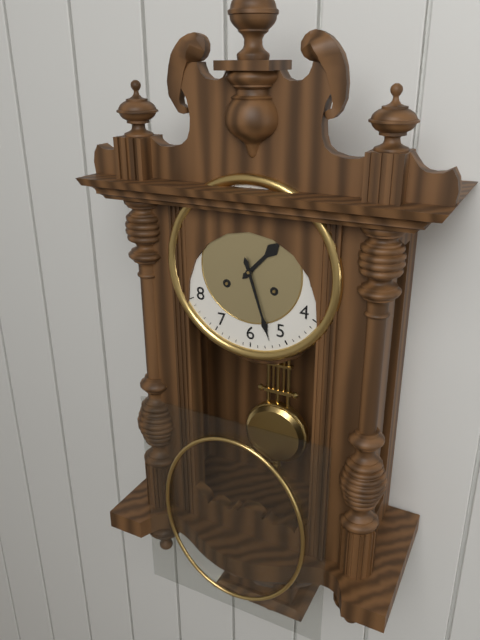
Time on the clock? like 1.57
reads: 1.27
